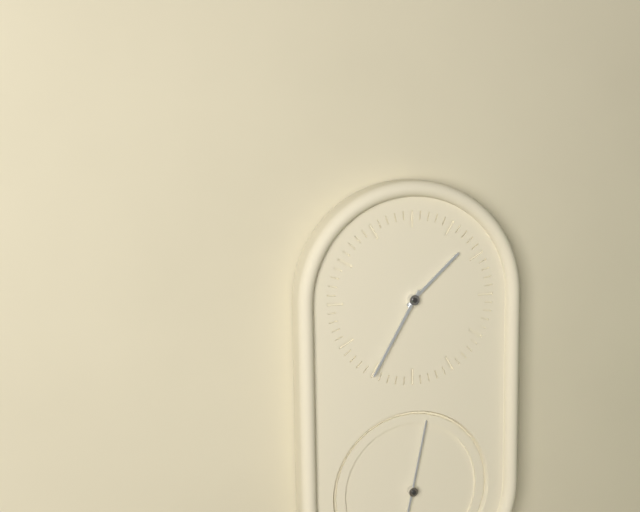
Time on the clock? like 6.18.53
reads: 1.35.02
